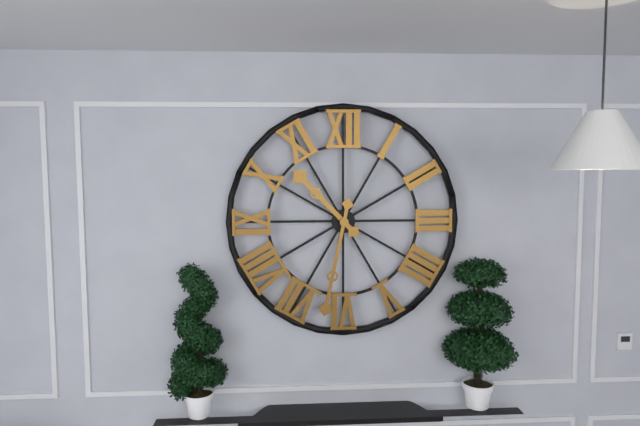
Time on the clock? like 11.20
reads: 10.32
